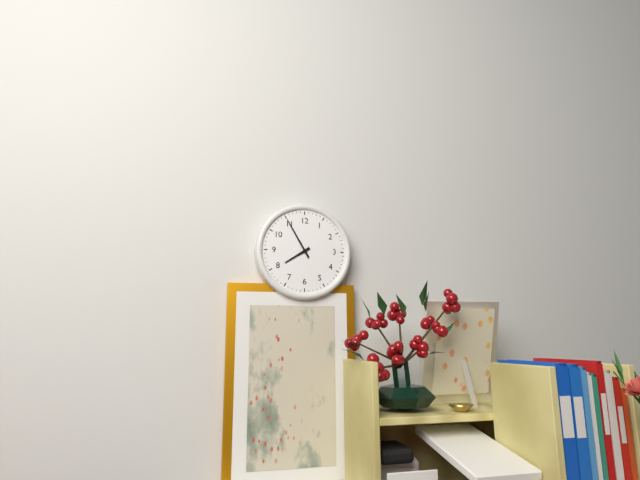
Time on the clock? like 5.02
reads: 7.55
